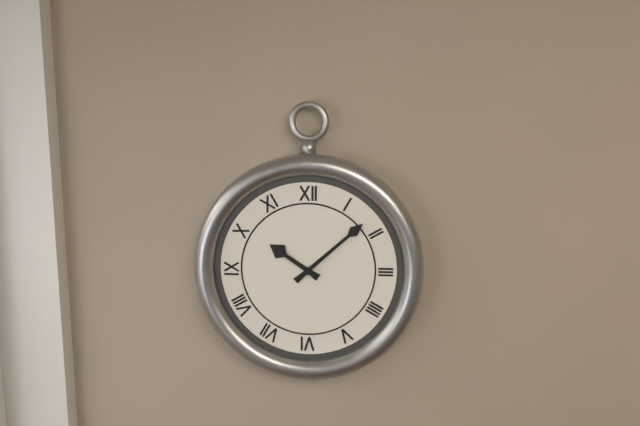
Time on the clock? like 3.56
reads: 10.08
